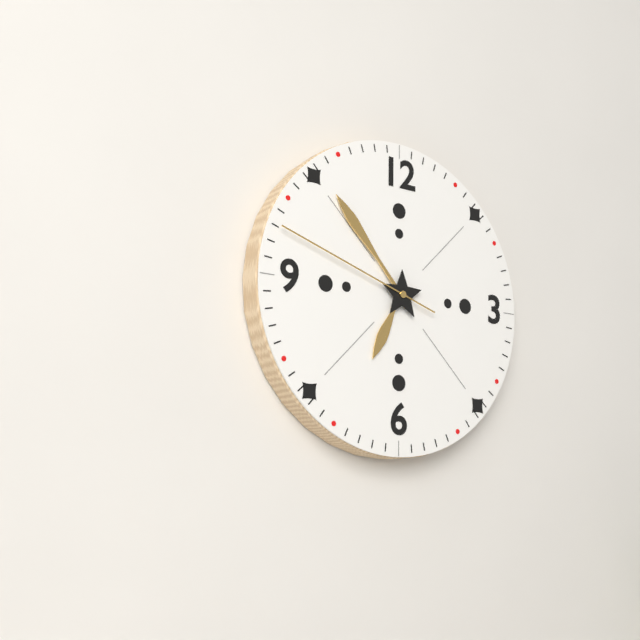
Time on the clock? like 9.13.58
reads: 6.53.48
